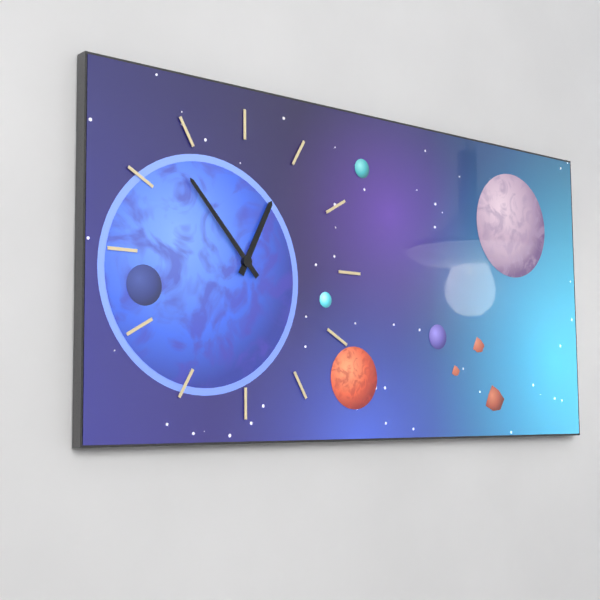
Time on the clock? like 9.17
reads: 12.53
